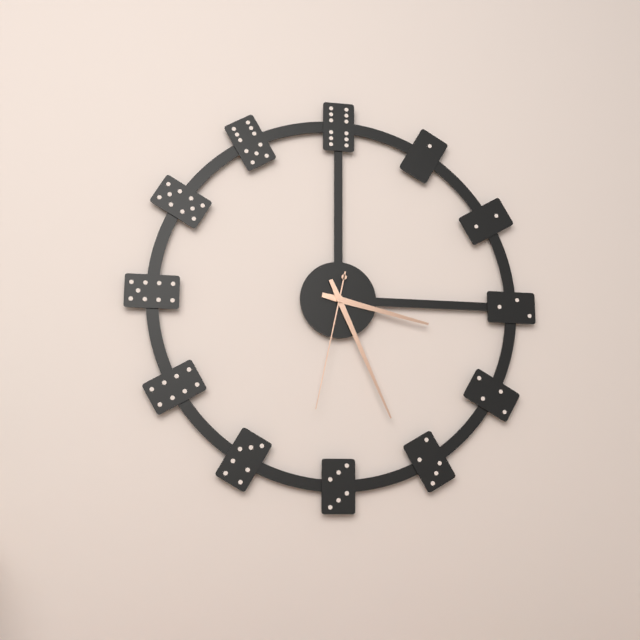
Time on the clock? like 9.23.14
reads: 3.26.32
